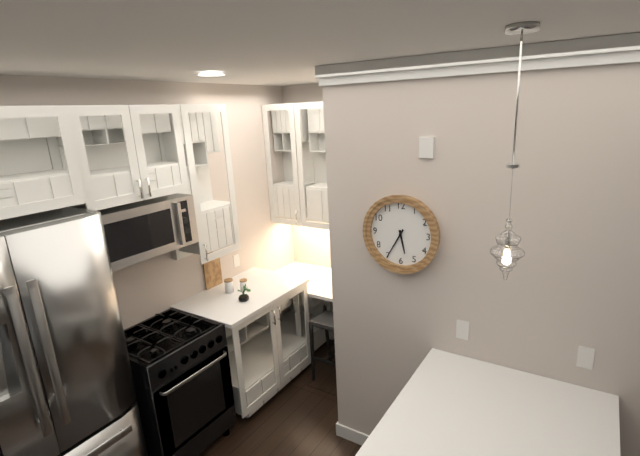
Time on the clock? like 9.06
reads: 5.35
